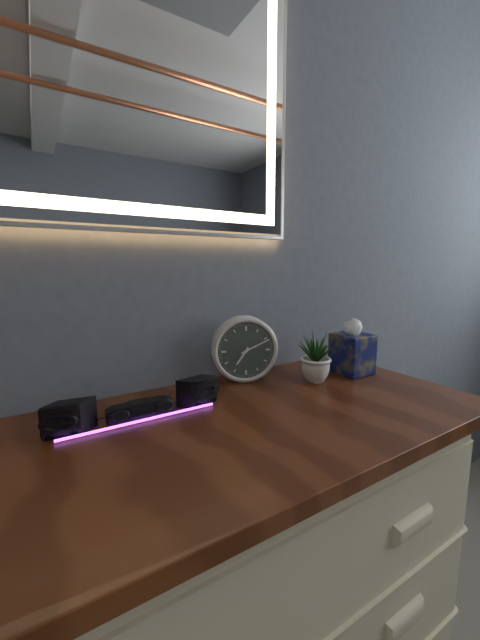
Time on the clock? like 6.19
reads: 7.11
